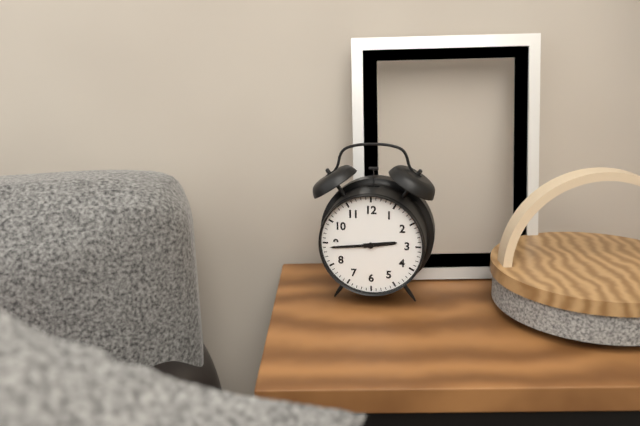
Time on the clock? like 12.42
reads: 2.44
